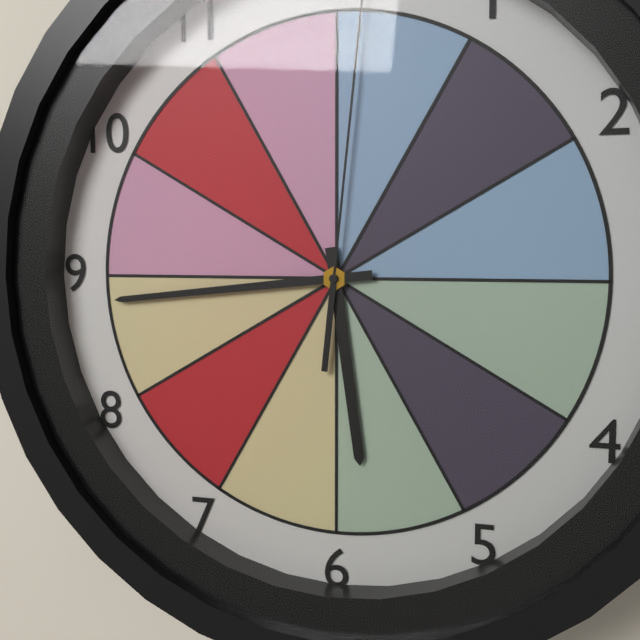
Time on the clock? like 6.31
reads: 5.44
